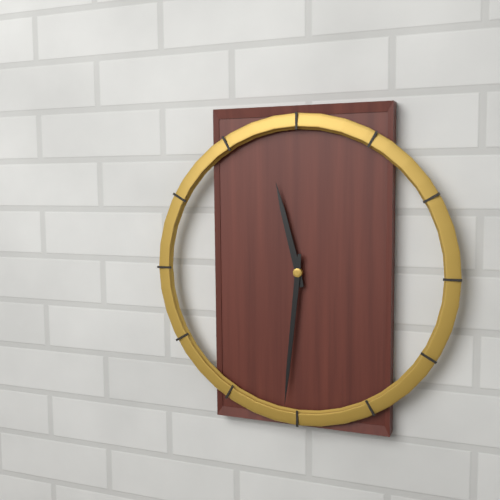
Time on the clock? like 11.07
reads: 11.31
